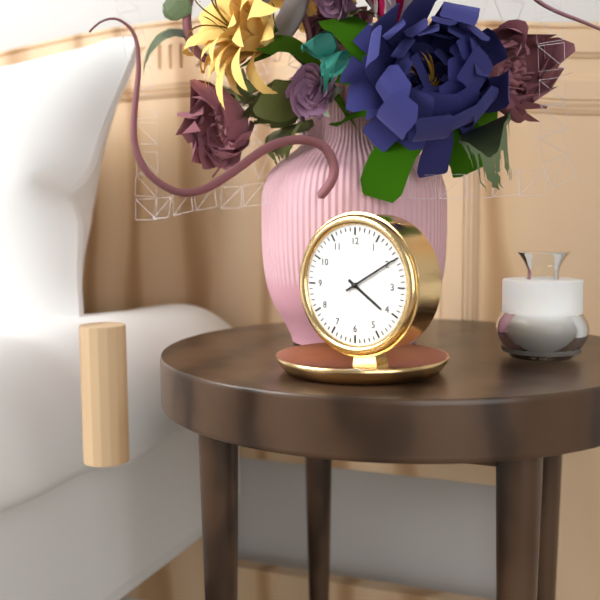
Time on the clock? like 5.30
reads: 4.10
